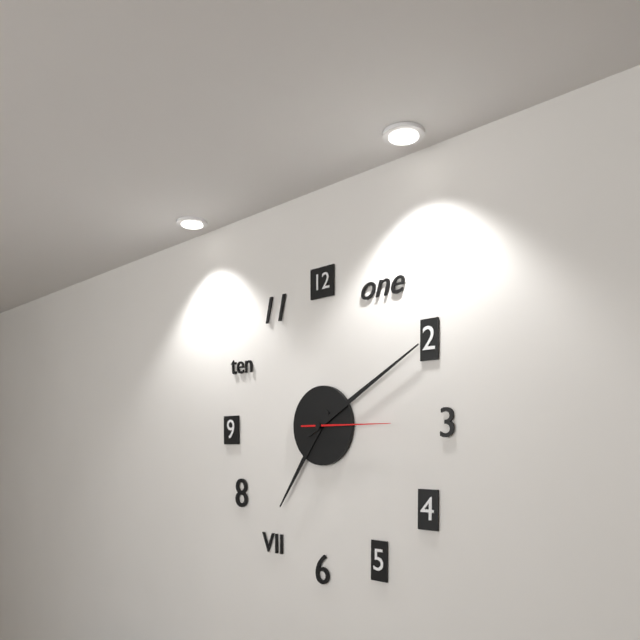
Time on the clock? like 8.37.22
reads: 7.10.15
